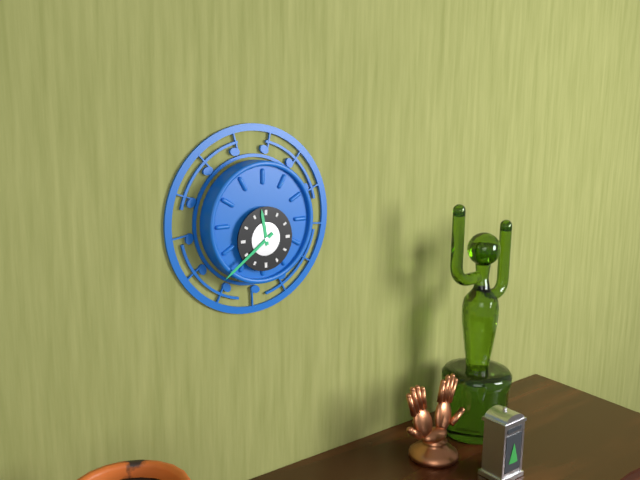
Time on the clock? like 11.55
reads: 11.39
